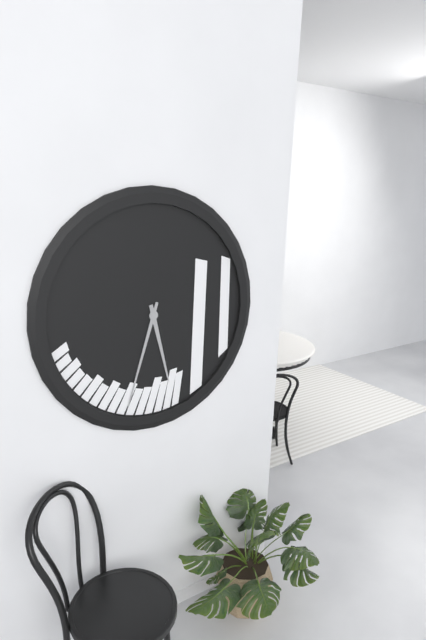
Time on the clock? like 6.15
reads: 5.33
